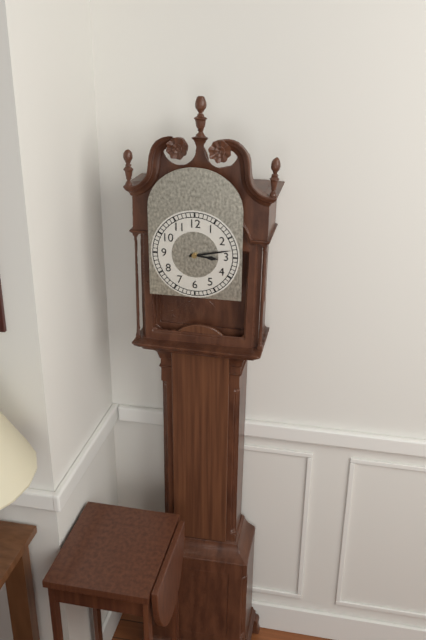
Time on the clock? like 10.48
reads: 3.13
